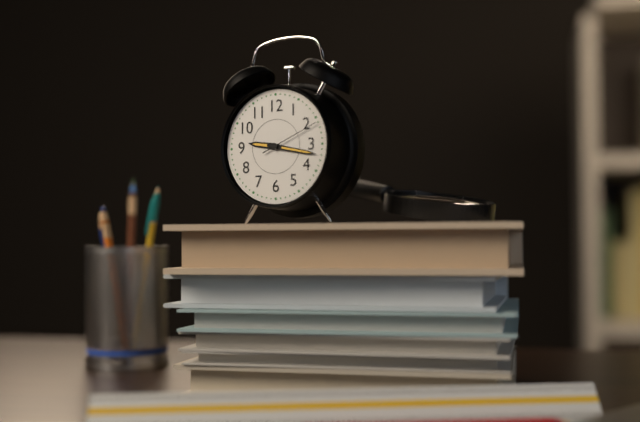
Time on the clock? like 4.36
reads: 9.17
